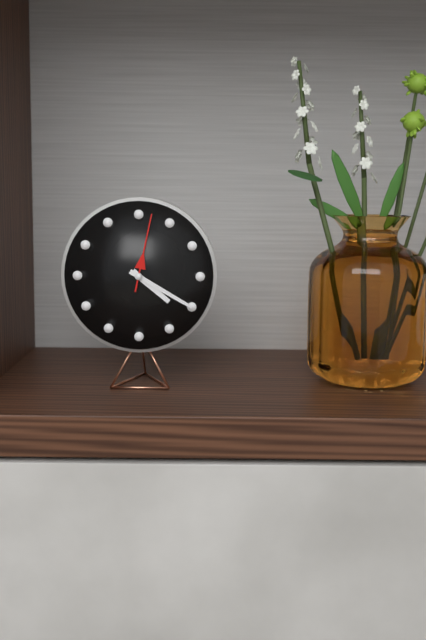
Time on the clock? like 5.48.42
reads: 4.20.02
